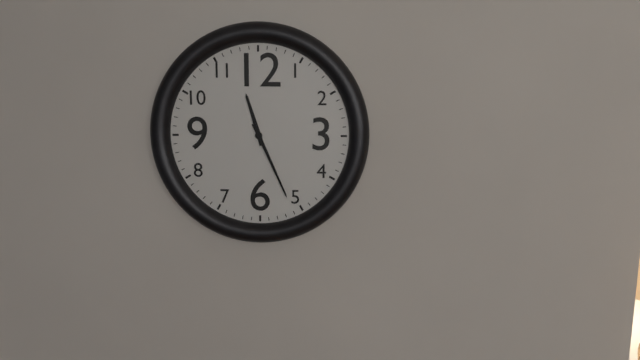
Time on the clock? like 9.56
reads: 11.26
